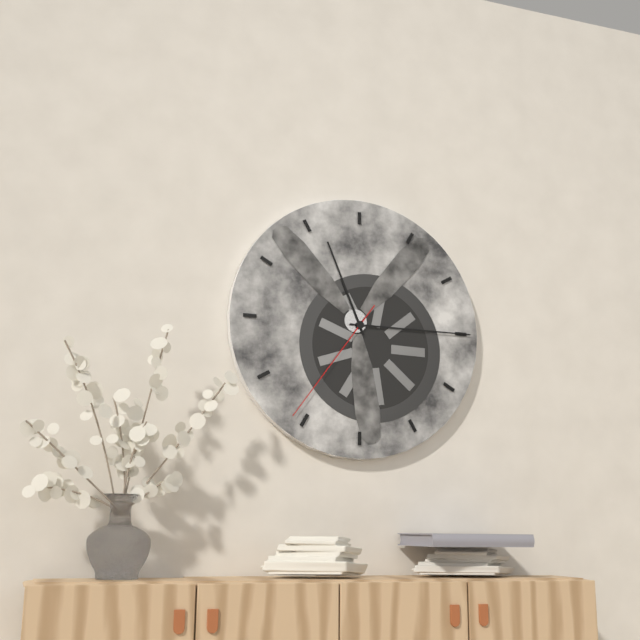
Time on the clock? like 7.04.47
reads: 11.15.36
